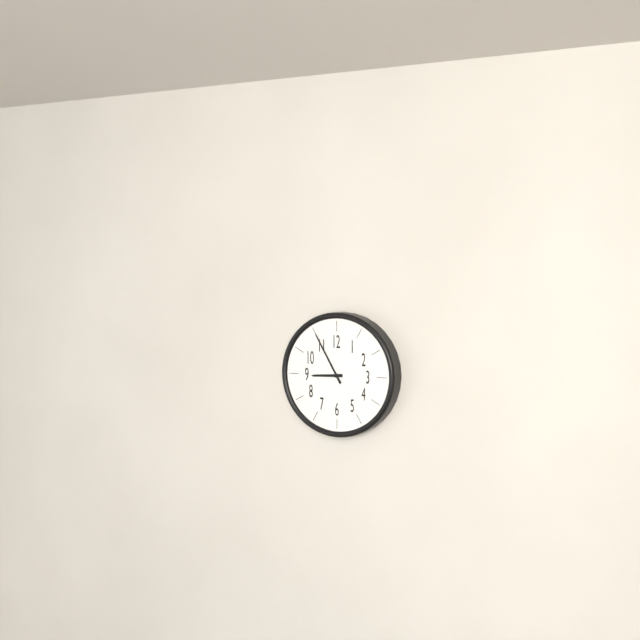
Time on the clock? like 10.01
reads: 8.55
